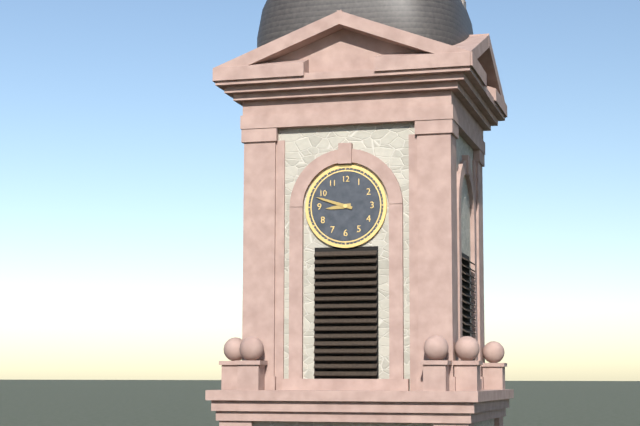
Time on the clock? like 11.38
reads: 8.48
